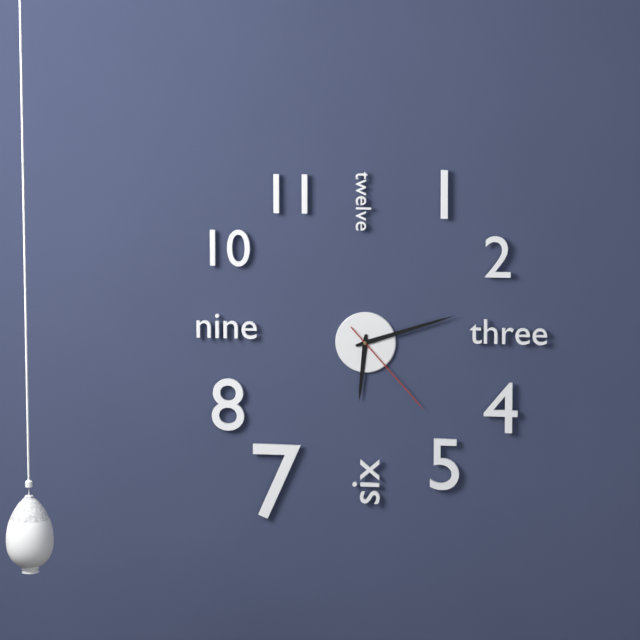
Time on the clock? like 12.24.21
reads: 6.12.23
